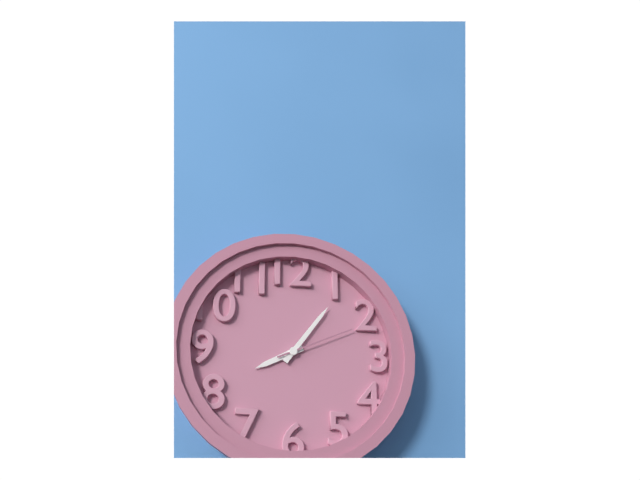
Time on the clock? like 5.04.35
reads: 8.06.11
